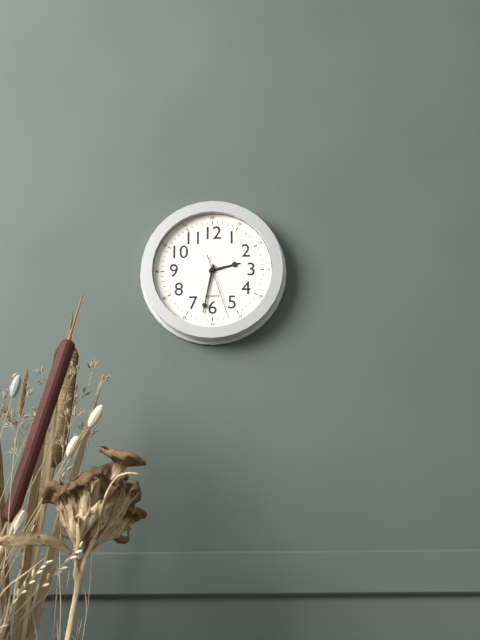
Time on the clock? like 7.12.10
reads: 2.32.27
